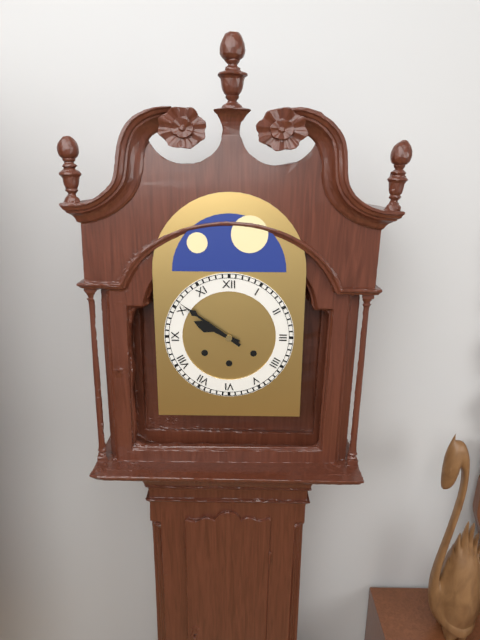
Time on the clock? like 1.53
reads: 9.51
